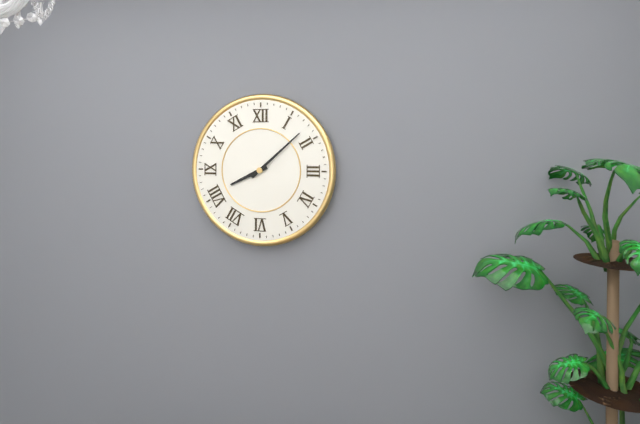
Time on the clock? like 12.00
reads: 8.08
